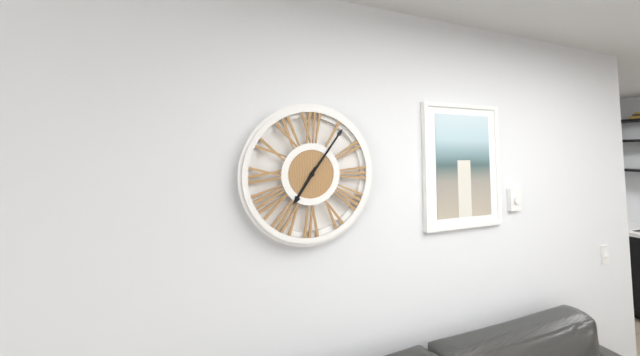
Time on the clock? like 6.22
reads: 7.06
